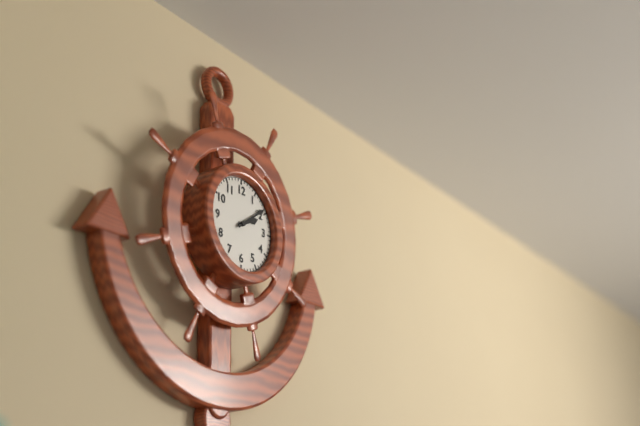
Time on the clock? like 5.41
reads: 2.09
